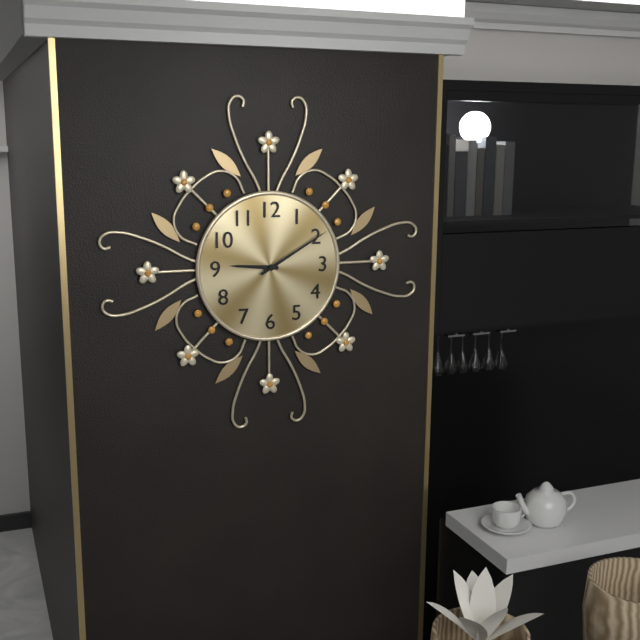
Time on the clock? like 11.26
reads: 9.10
